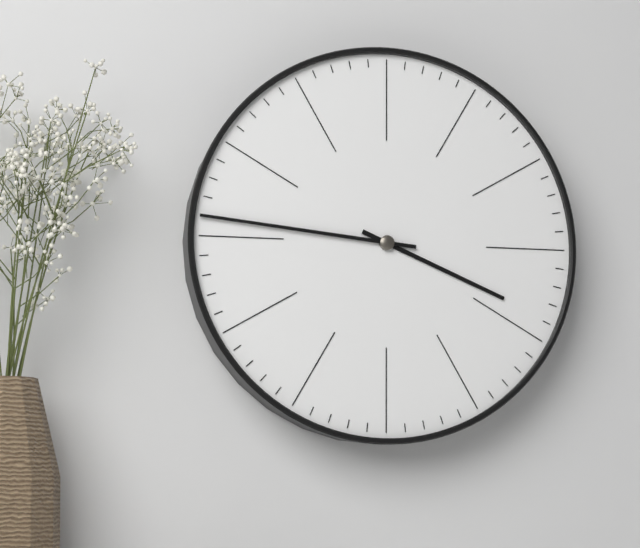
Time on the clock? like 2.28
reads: 3.46
